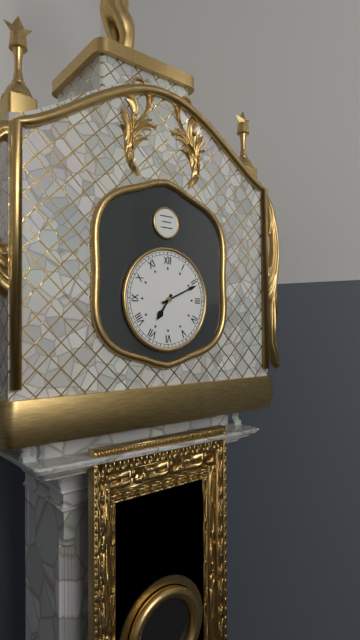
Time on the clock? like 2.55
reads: 7.11
